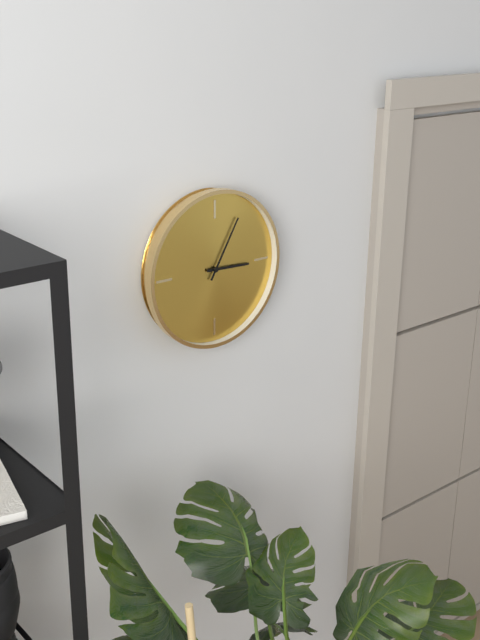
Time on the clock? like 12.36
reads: 3.05
